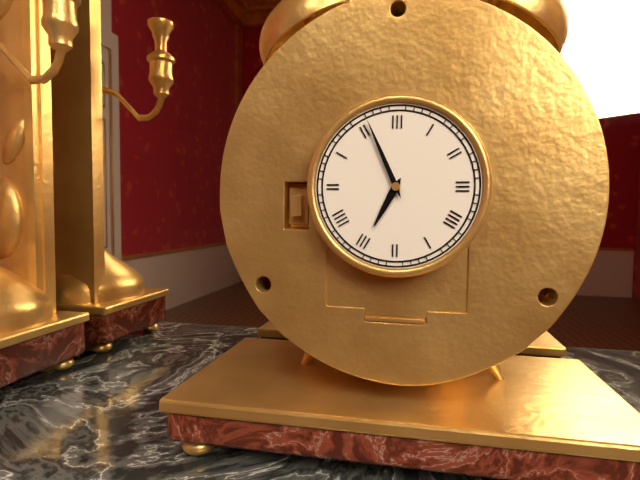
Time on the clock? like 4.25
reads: 6.56
